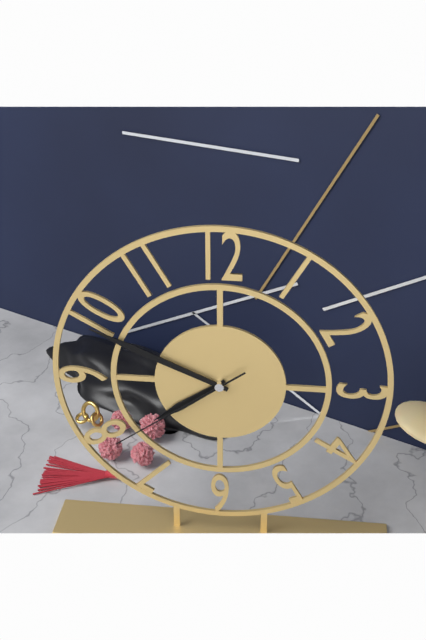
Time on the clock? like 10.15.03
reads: 7.49.39
